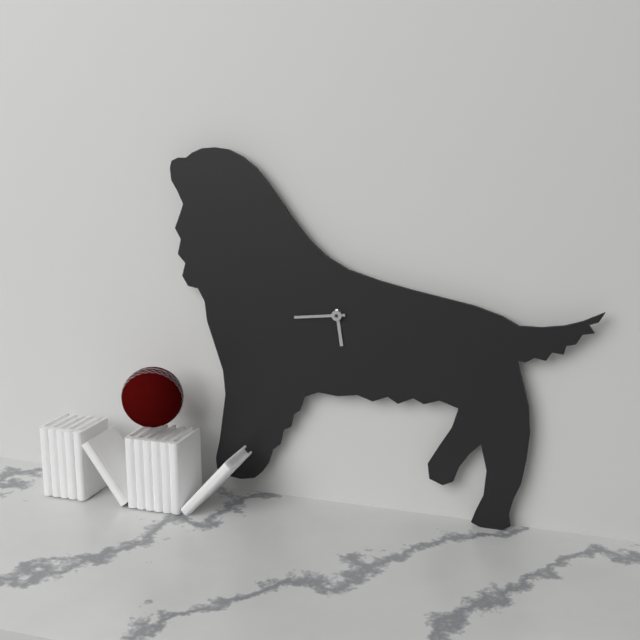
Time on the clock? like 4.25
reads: 5.44
